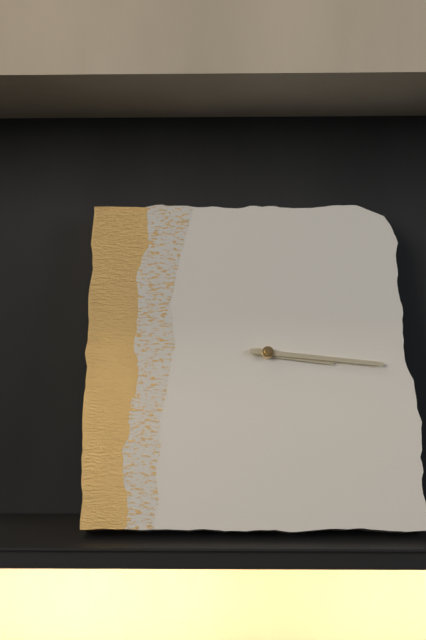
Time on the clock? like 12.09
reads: 3.16
